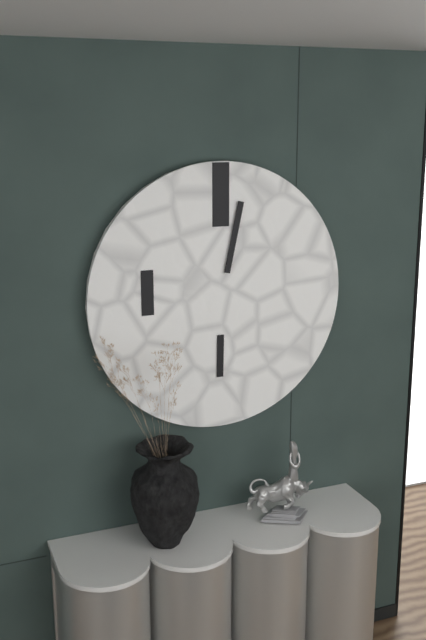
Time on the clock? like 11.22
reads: 6.02
